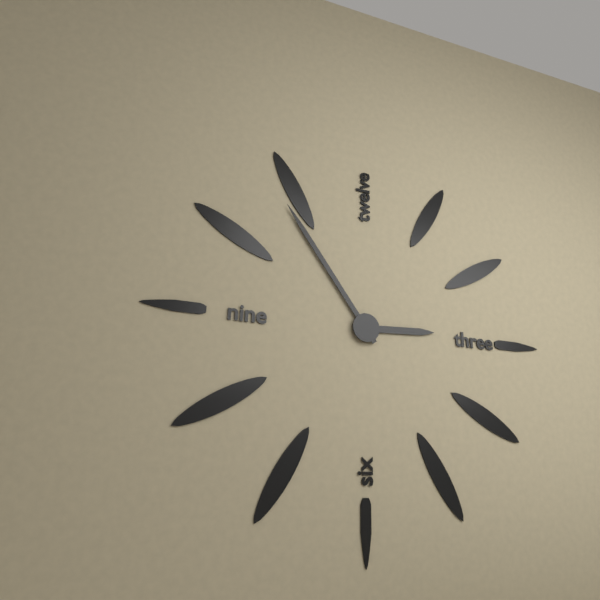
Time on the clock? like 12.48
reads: 2.54
